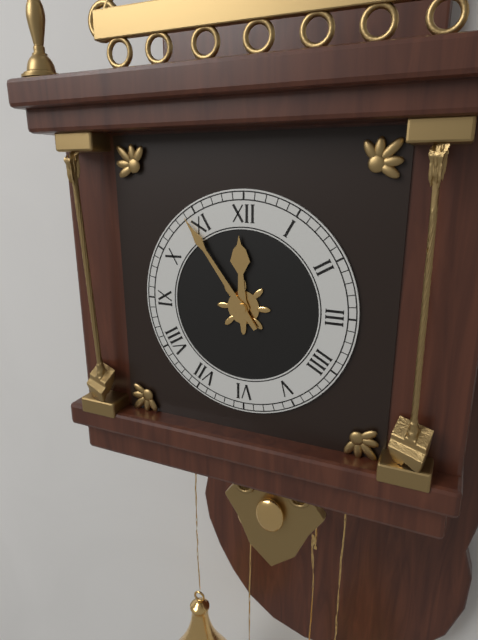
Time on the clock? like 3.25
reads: 11.54
